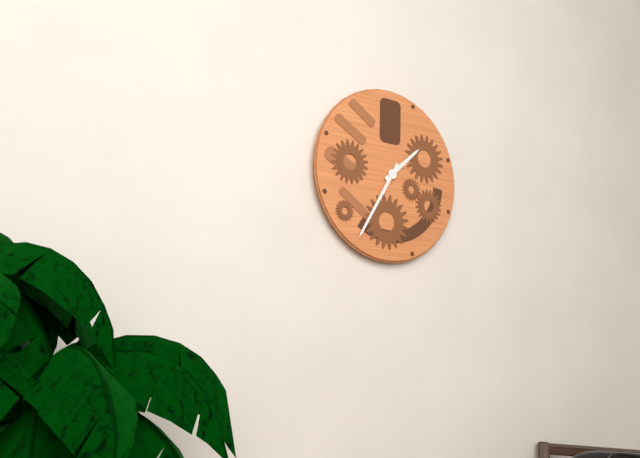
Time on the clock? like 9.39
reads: 1.35
